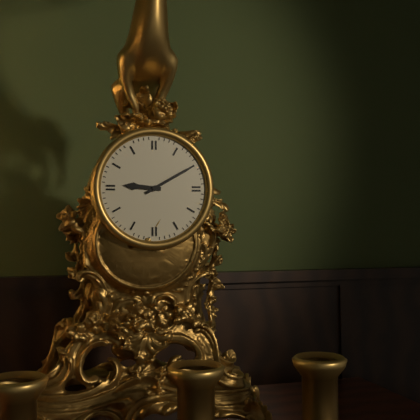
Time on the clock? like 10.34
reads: 9.10
